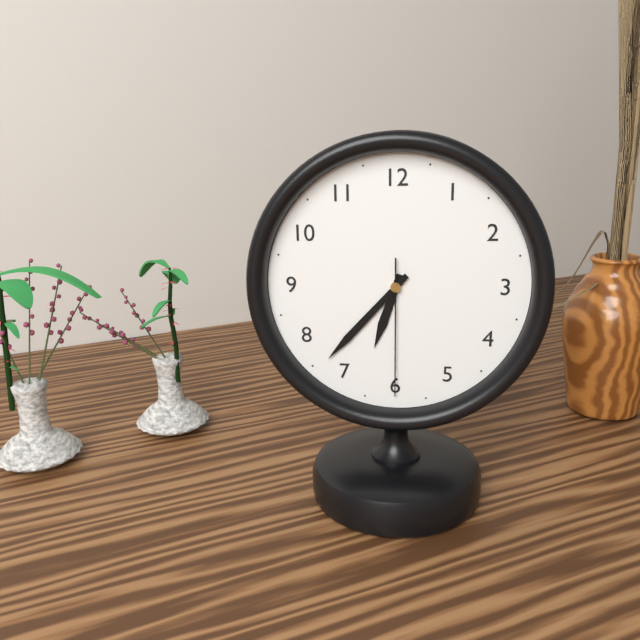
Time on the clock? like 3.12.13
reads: 6.37.30
